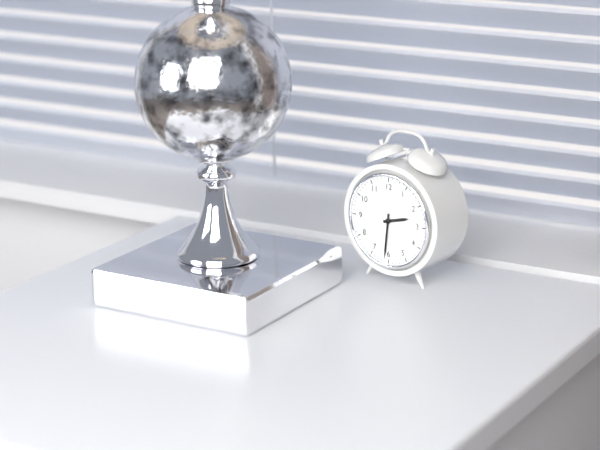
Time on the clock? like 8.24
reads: 2.31
